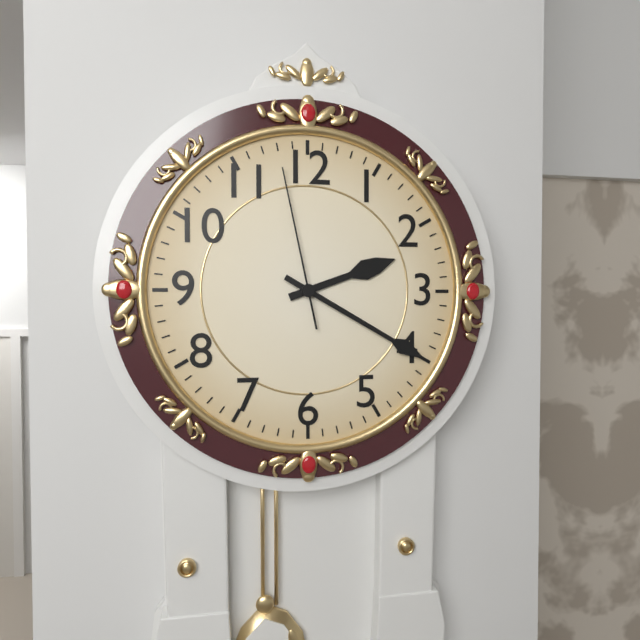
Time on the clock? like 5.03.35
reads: 2.20.58
